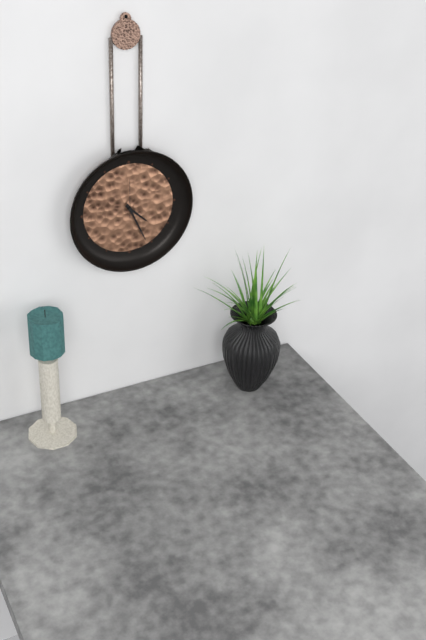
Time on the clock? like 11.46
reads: 4.26
